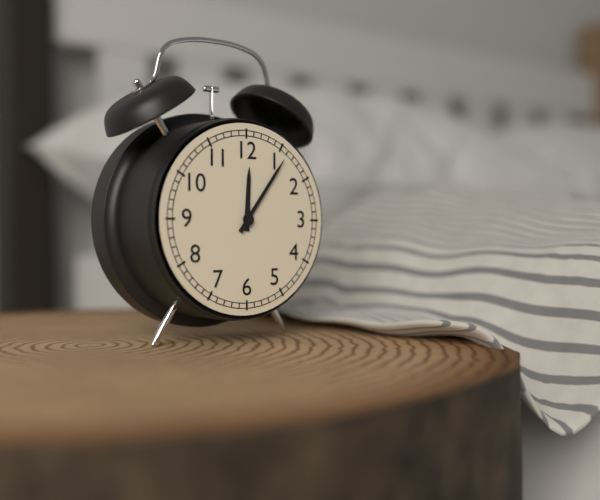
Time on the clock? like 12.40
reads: 12.06
